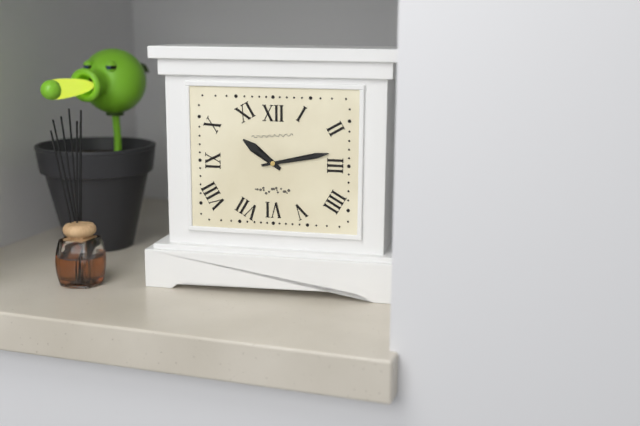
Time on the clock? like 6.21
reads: 10.13
